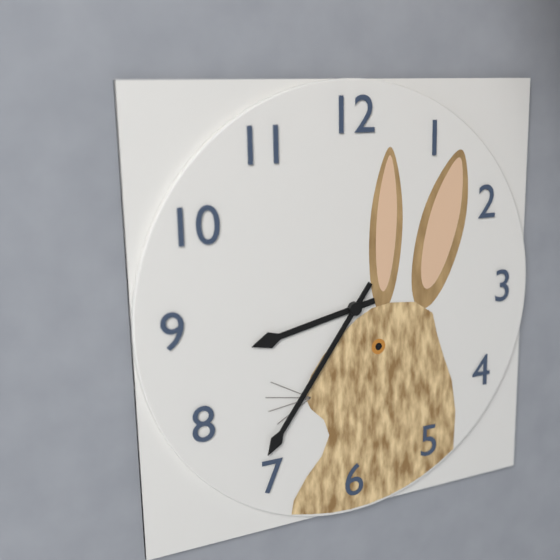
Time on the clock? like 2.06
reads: 8.36
